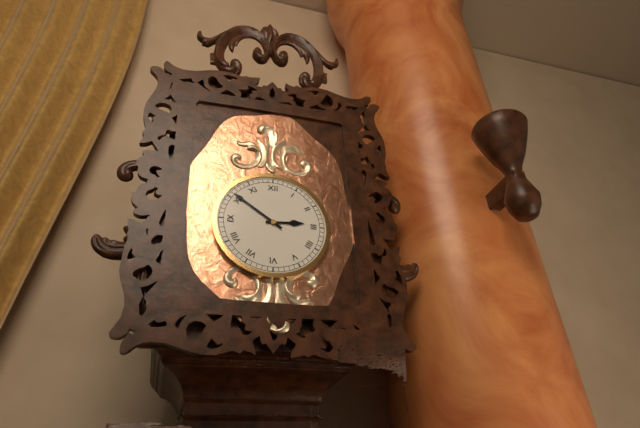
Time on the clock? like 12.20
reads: 2.51
